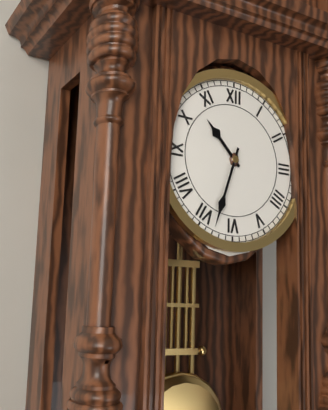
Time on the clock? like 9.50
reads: 10.33
